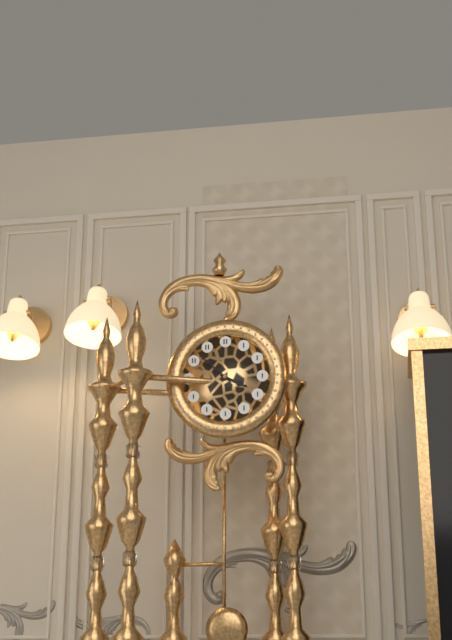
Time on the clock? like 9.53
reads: 3.52
